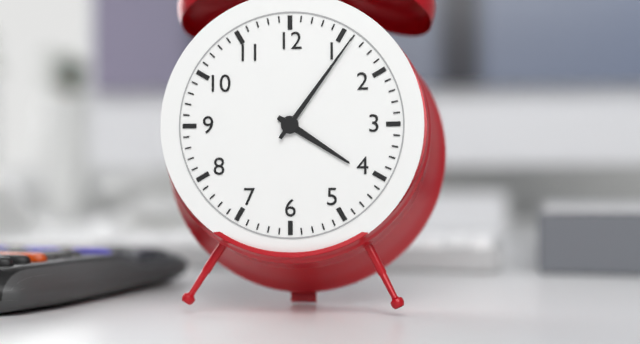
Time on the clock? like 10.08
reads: 4.06
